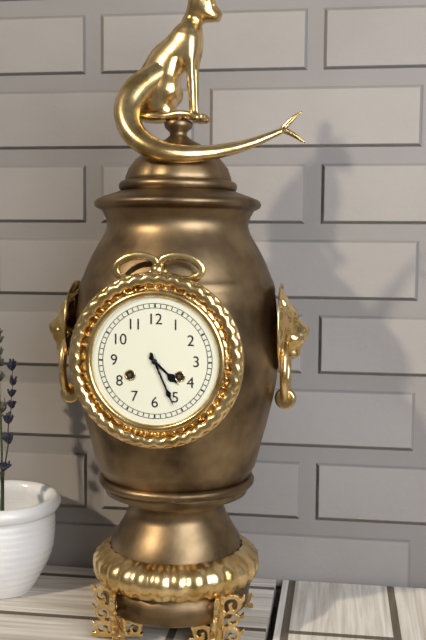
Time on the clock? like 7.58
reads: 4.26
